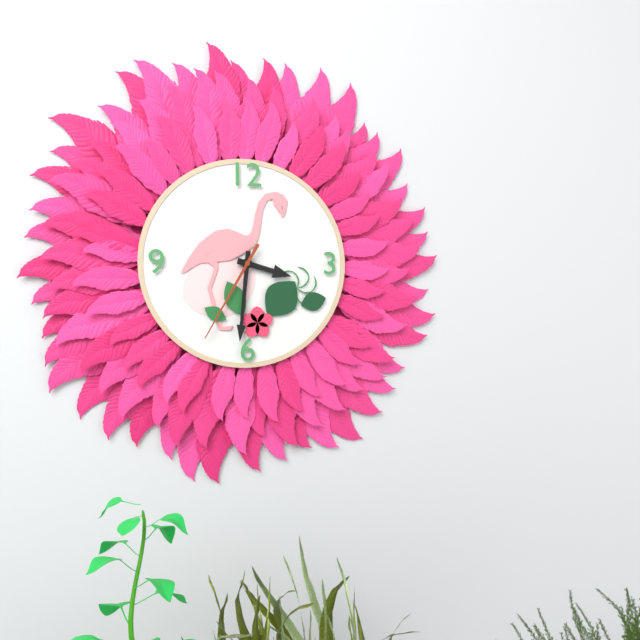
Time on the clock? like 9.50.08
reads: 3.31.35
